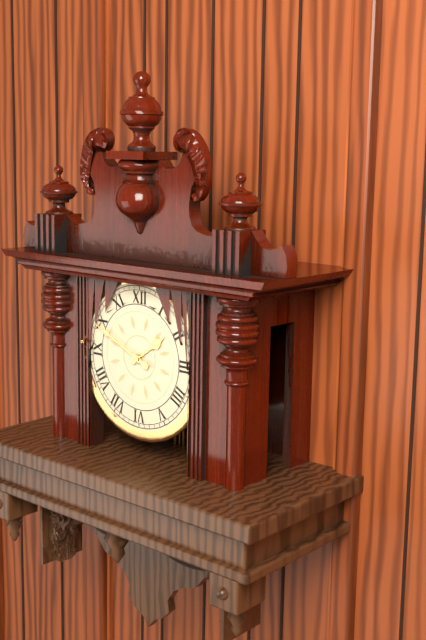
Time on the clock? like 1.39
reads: 1.49
